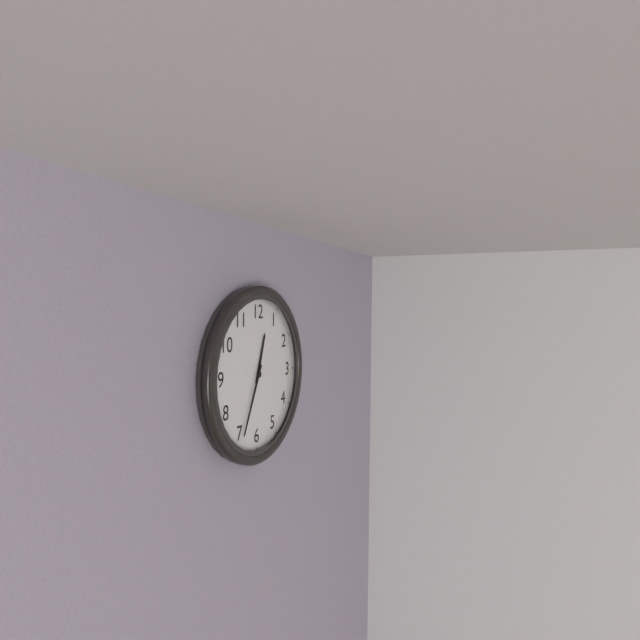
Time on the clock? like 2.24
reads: 12.34
